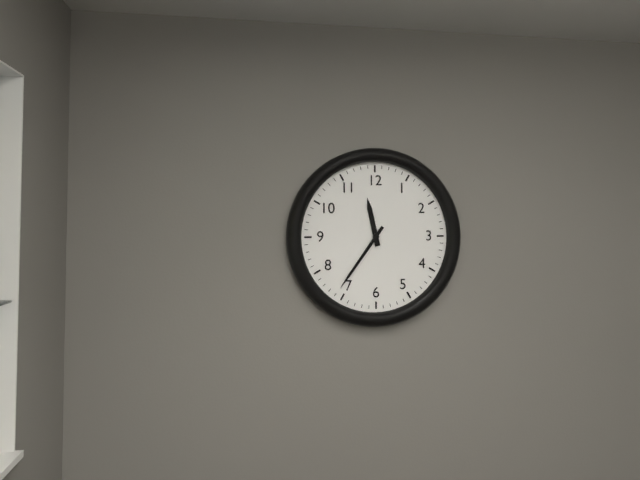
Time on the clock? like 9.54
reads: 11.36
